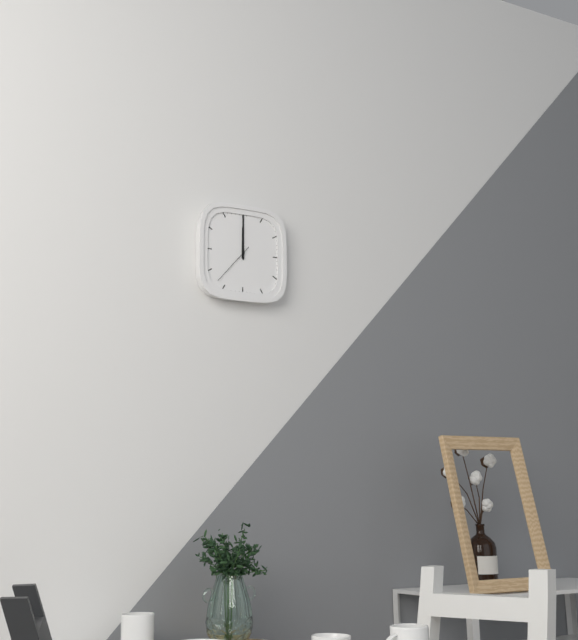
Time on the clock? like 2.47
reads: 12.00
